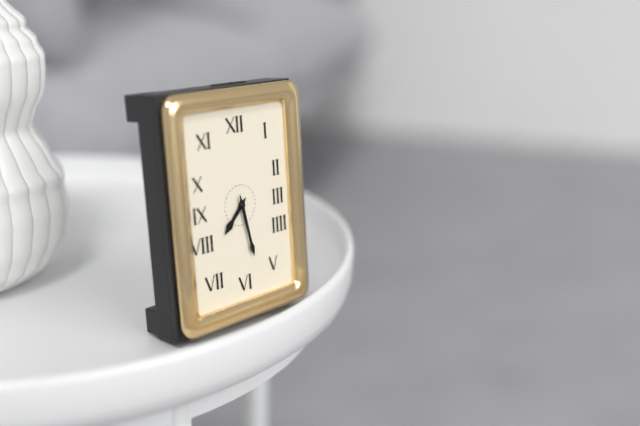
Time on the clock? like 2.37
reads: 7.28
